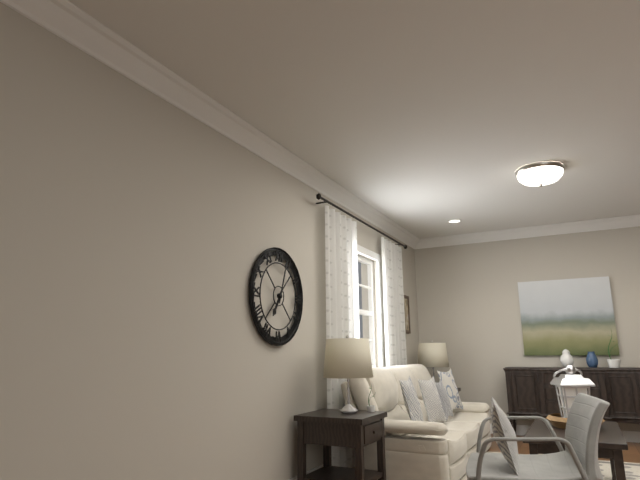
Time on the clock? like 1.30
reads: 7.03
